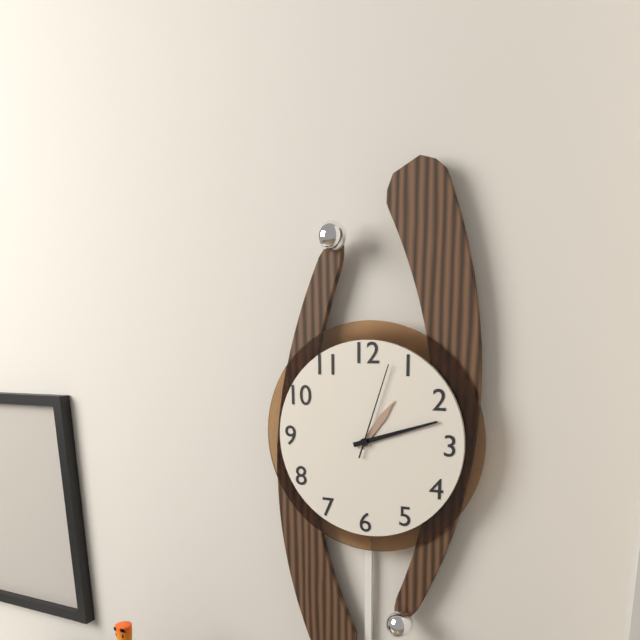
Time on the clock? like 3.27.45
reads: 1.12.03
